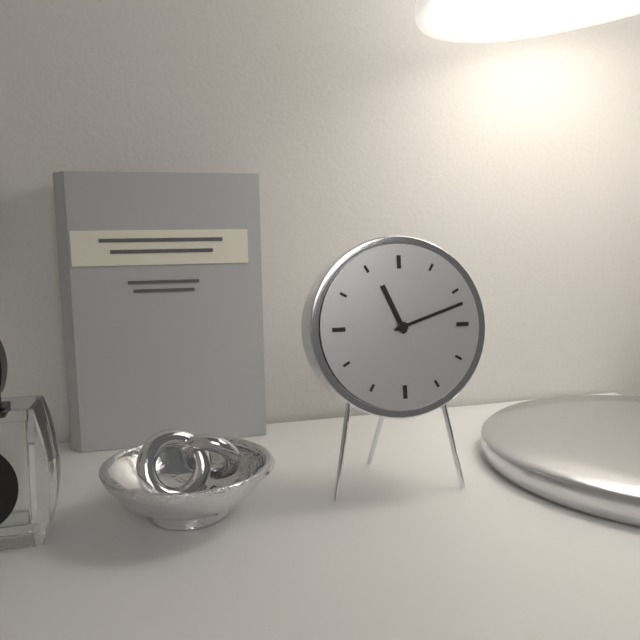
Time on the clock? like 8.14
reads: 11.12
